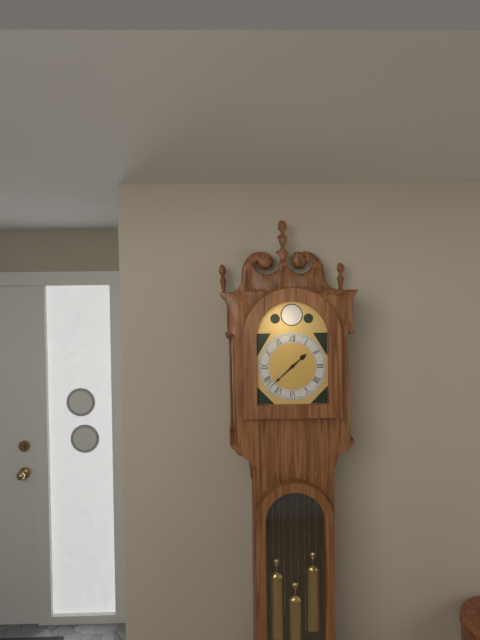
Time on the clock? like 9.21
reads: 1.38
